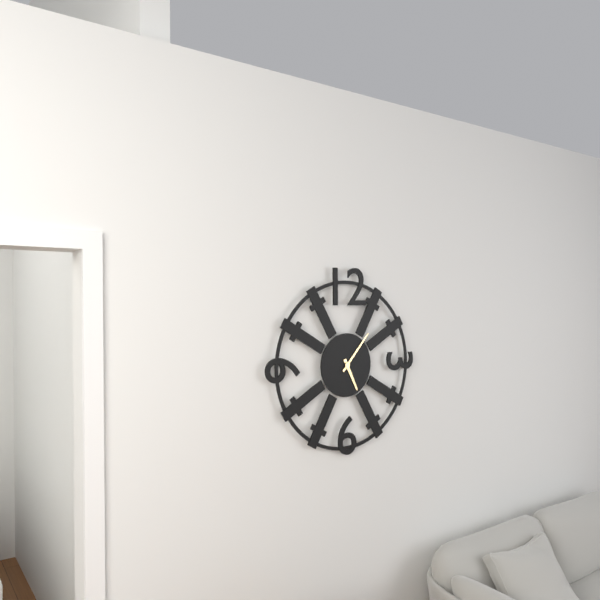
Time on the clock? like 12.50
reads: 5.07
